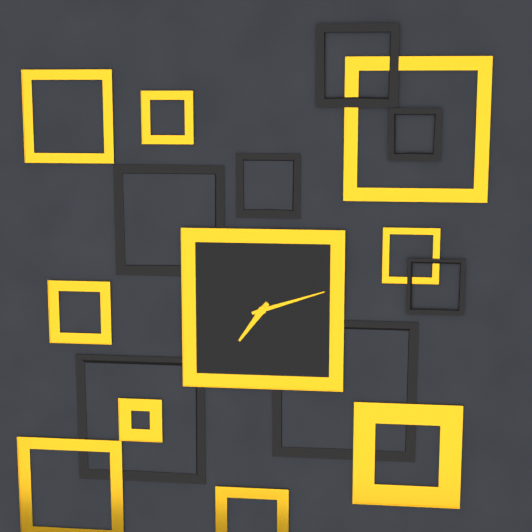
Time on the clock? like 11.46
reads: 7.12
